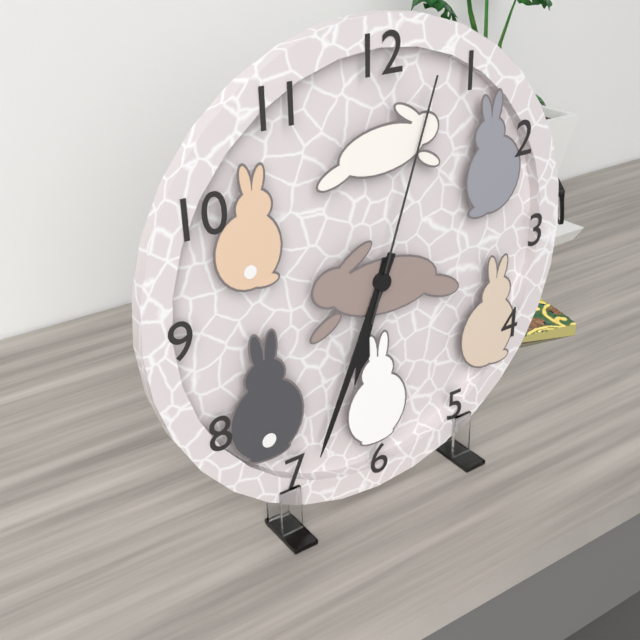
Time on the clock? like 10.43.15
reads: 6.34.03
